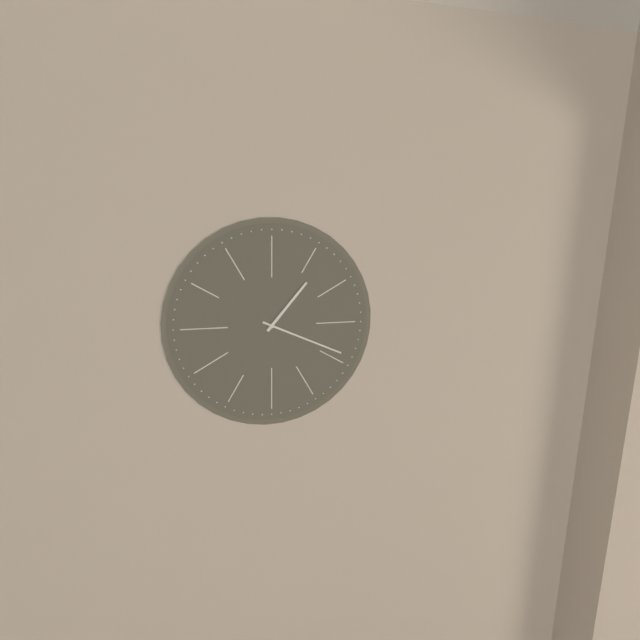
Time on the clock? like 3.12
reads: 1.19
